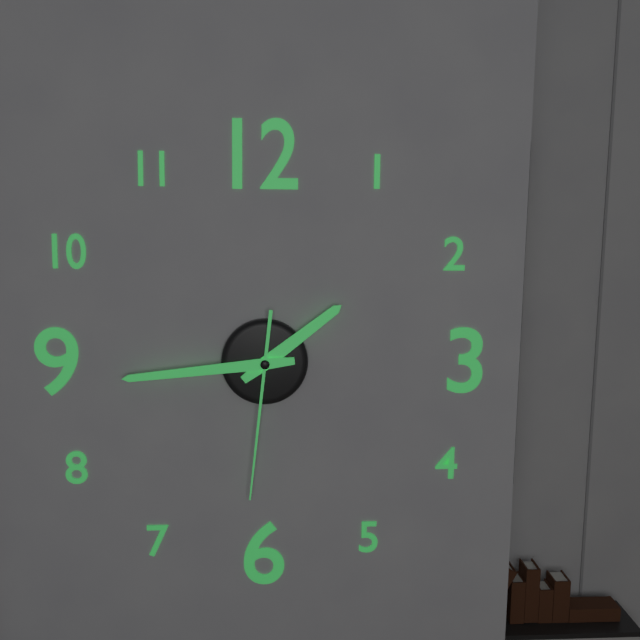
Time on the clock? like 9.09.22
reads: 1.44.31
